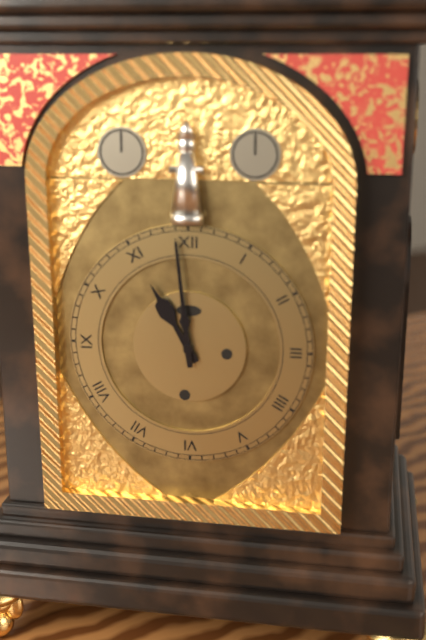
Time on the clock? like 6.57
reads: 10.59
